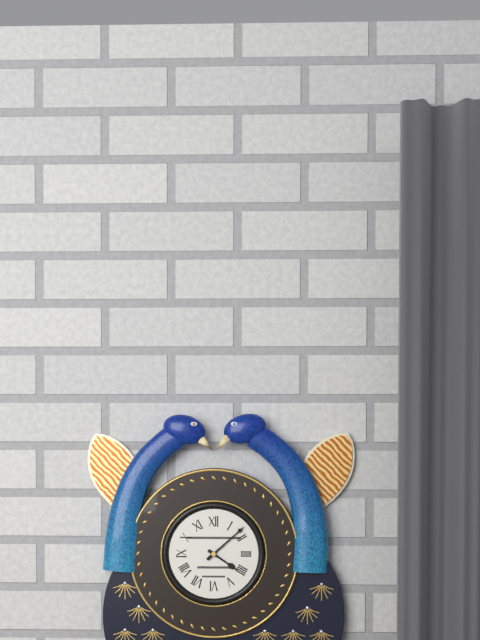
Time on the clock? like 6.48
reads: 4.08
